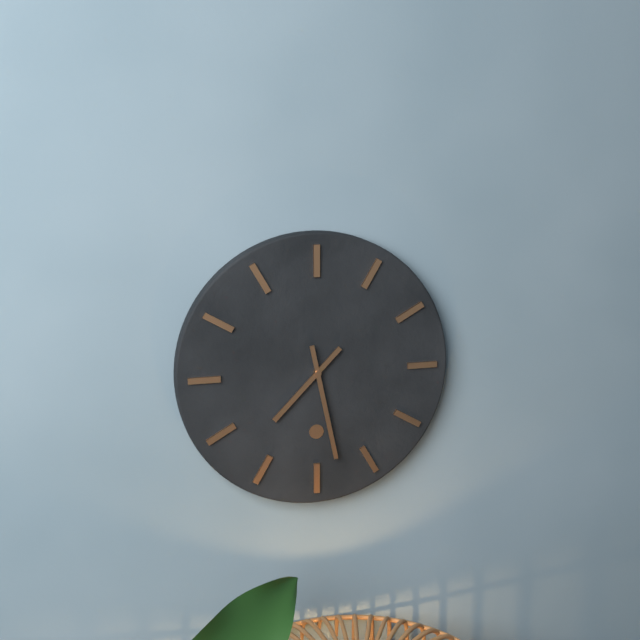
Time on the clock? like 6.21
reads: 7.28
